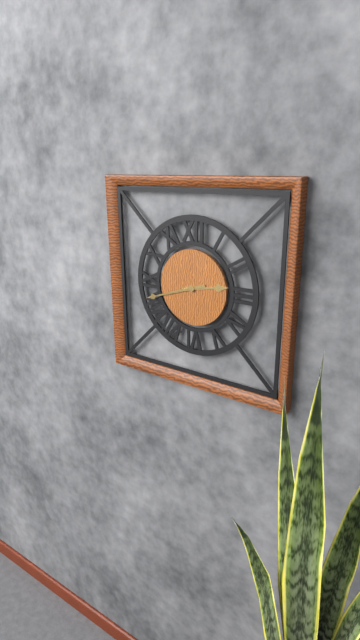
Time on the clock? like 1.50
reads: 2.42
